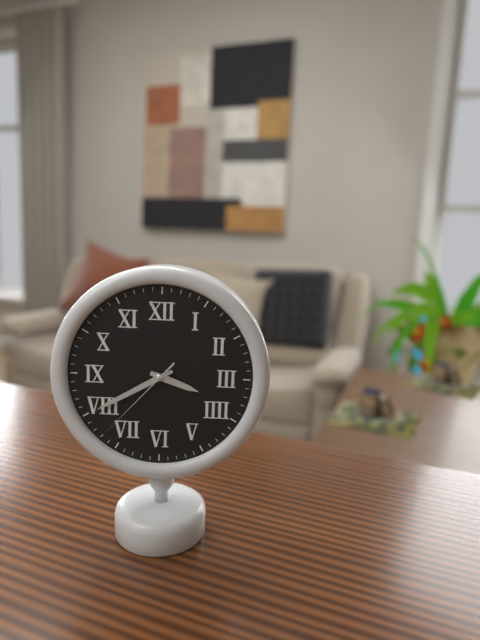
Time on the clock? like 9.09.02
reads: 3.40.37
